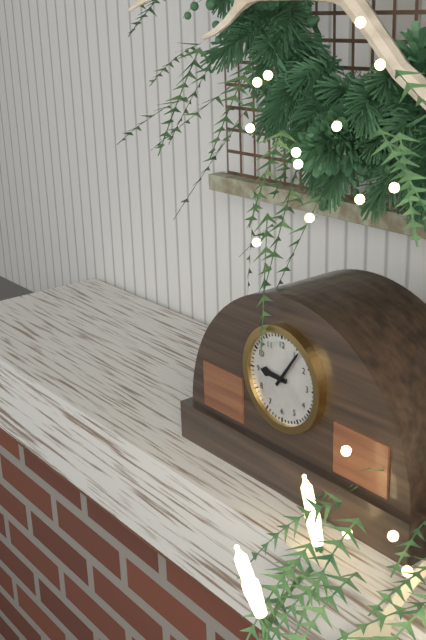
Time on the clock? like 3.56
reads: 9.06
